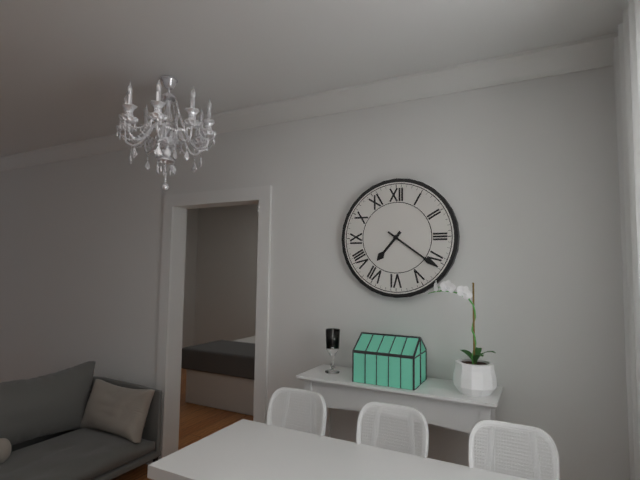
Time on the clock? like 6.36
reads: 7.21
